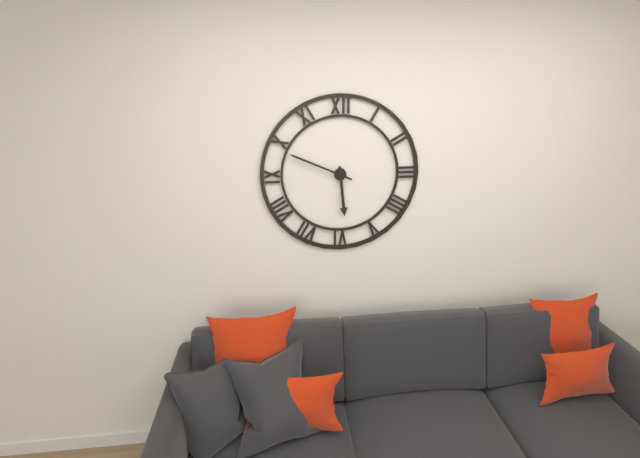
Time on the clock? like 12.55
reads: 5.49
